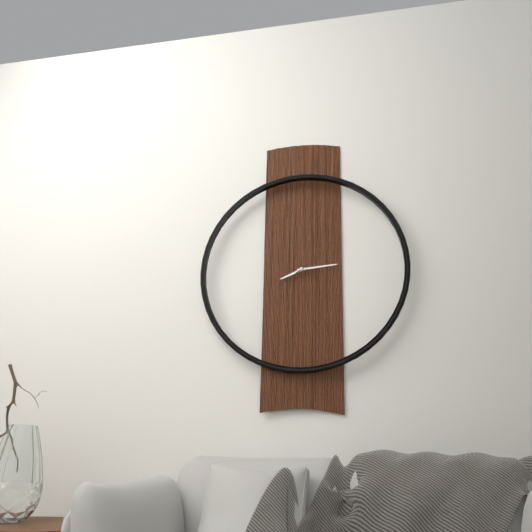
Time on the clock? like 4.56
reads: 8.14
